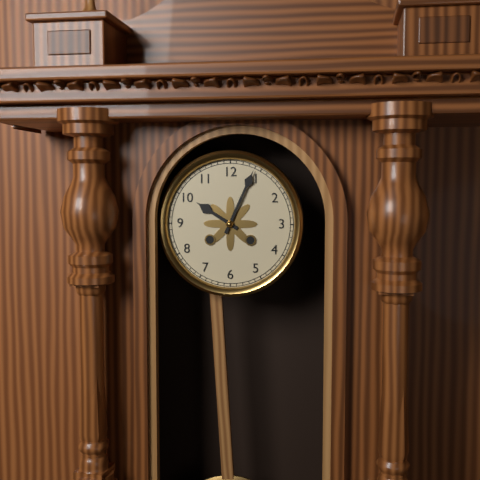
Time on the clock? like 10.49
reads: 10.04
